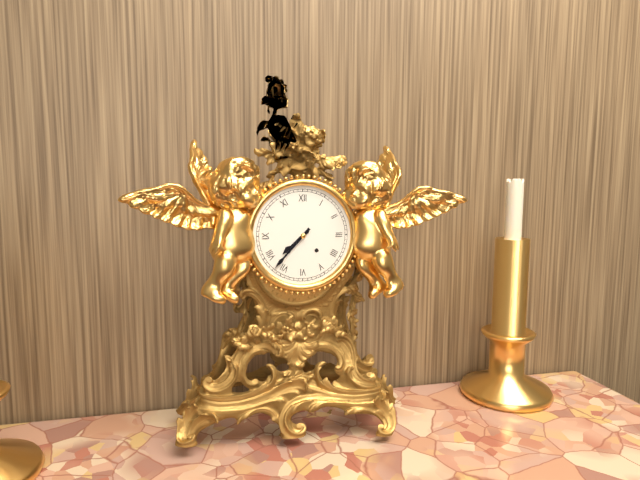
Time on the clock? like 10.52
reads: 7.37
